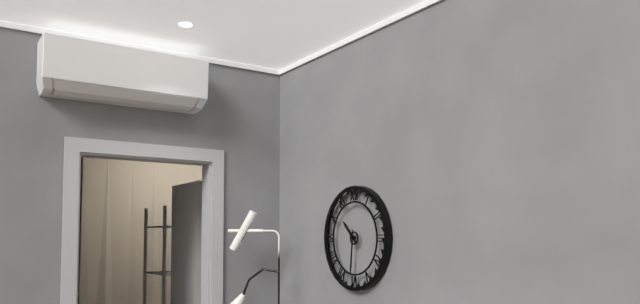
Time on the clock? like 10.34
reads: 10.31
